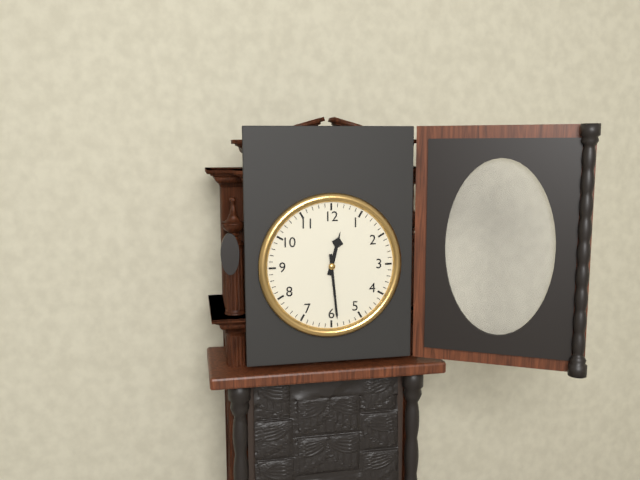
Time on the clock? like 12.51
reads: 12.29
